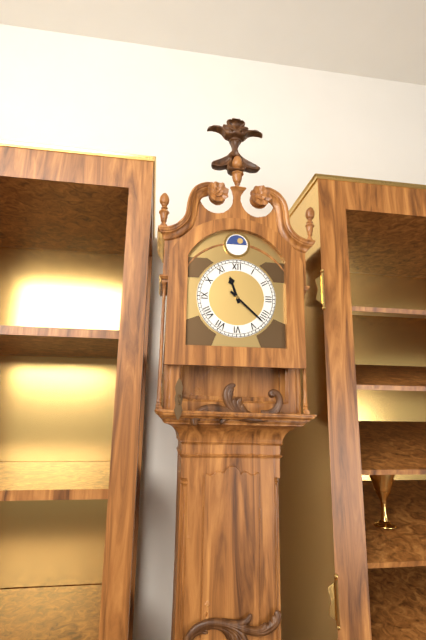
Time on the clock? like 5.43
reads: 11.22
